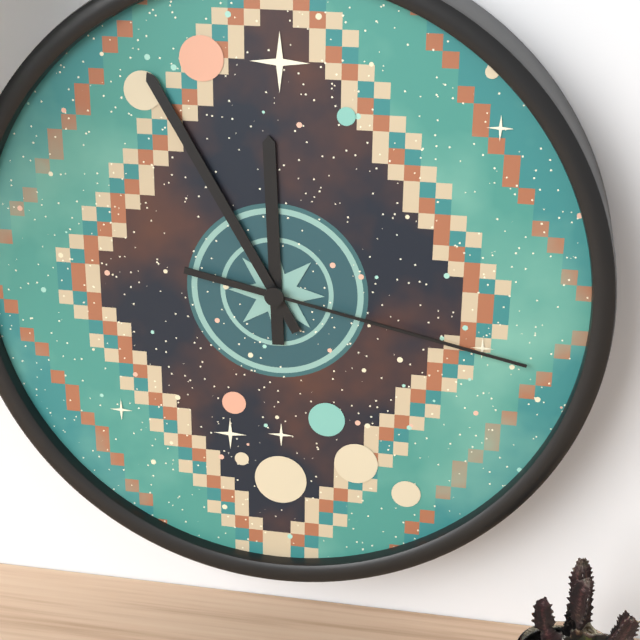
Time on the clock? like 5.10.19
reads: 11.55.17
